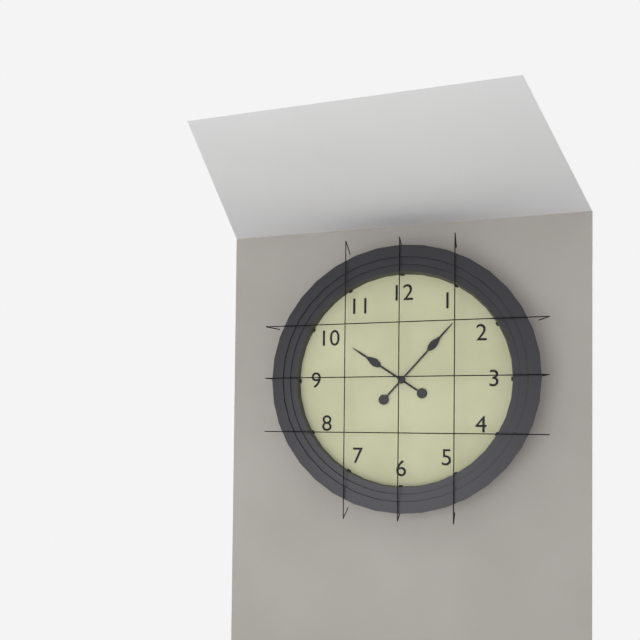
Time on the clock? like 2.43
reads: 10.07
